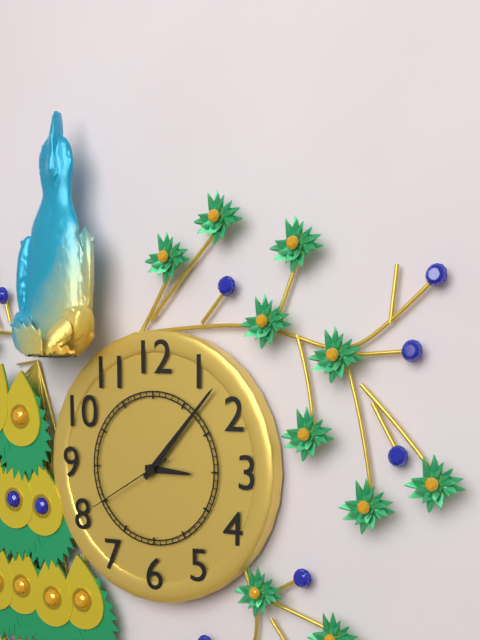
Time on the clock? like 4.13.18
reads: 3.07.40
